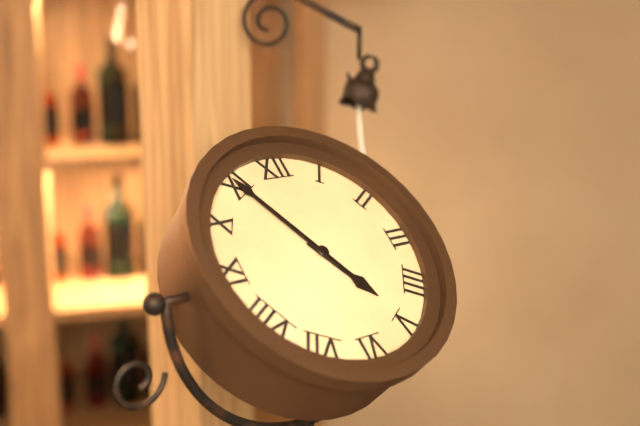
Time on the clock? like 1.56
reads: 4.55
